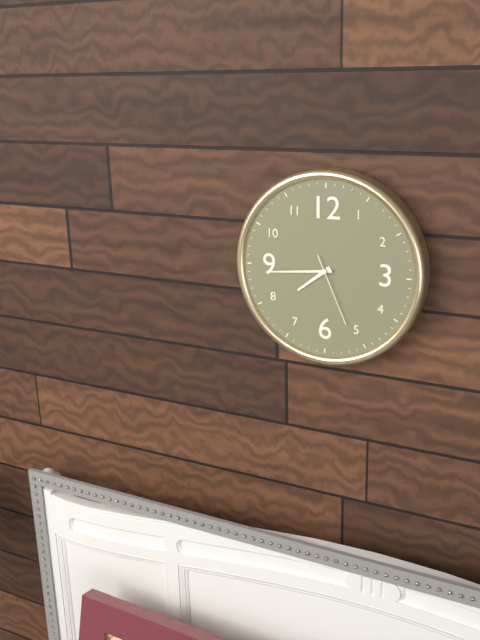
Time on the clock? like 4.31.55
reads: 7.44.26
